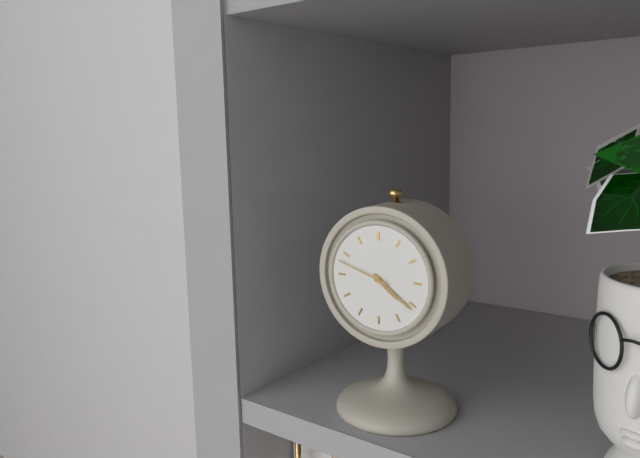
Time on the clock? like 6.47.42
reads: 4.21.48
